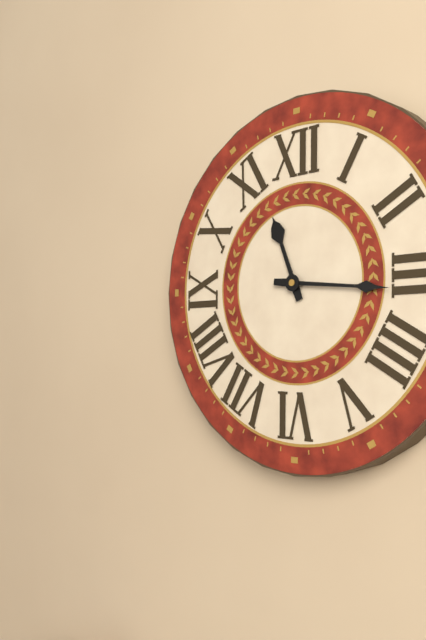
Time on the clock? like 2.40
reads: 11.16
